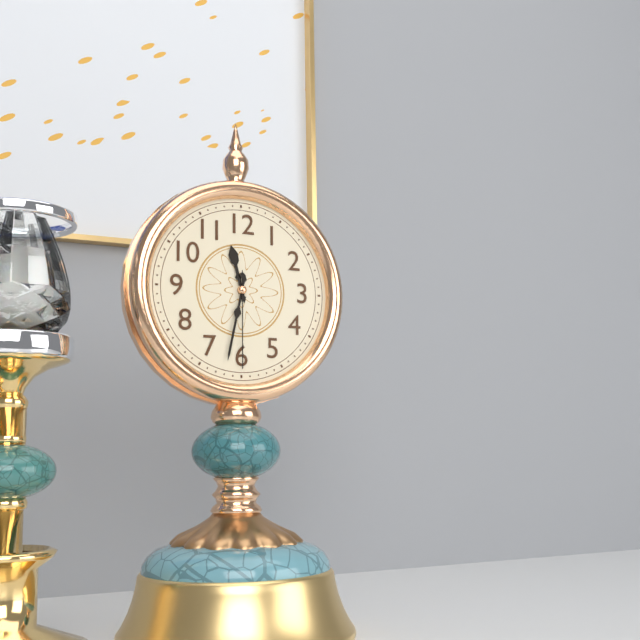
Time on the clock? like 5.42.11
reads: 11.32.30
